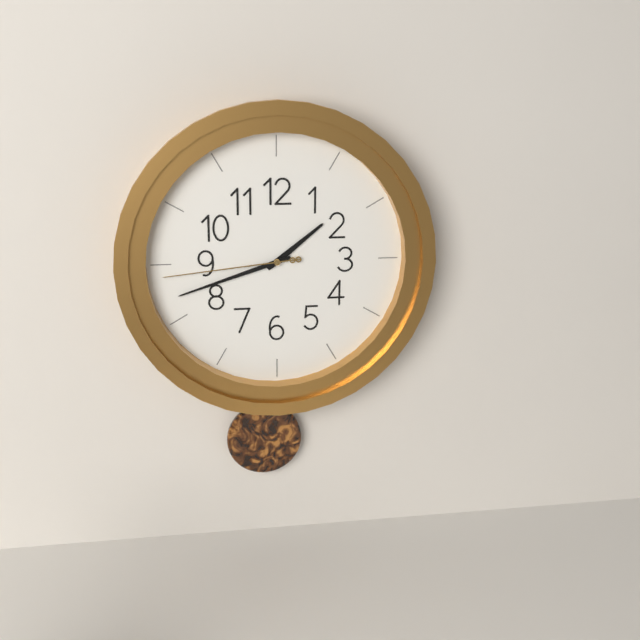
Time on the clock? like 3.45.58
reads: 1.42.44
